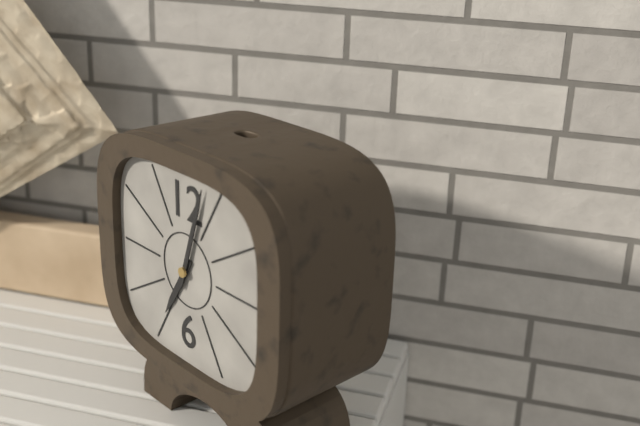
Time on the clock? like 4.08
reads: 7.03
